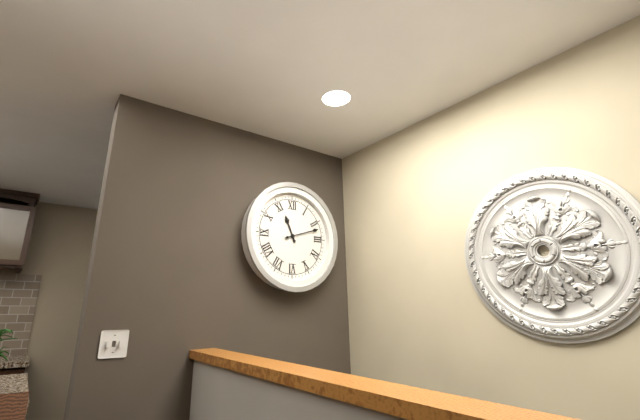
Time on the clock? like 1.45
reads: 11.12
